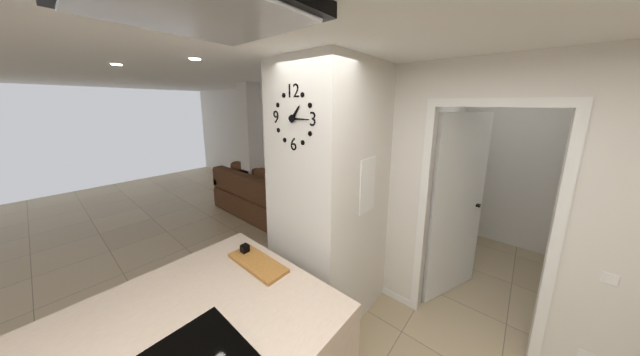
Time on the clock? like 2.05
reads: 1.15
